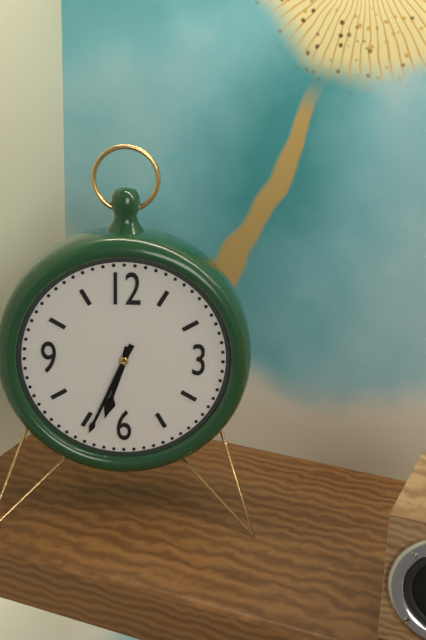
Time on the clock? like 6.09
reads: 6.34
